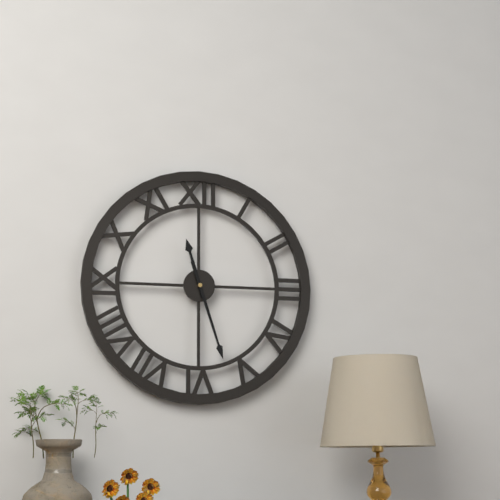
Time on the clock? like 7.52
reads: 11.27
